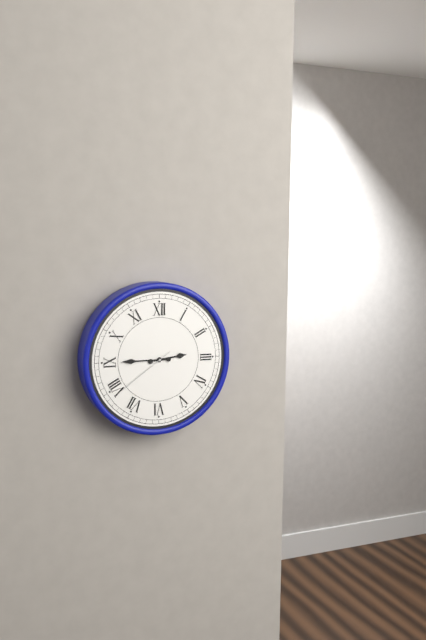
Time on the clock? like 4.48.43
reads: 2.45.39
